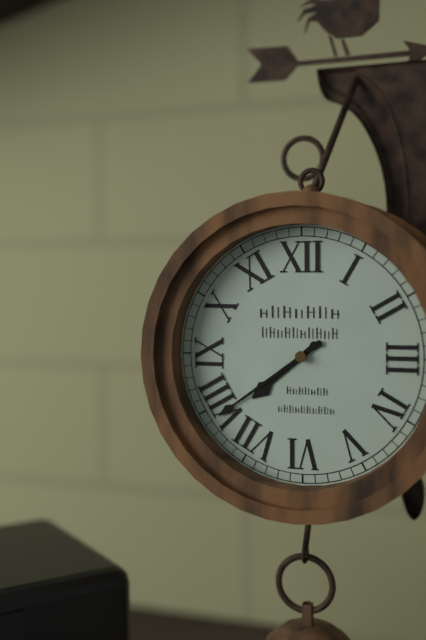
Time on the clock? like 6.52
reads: 7.39
